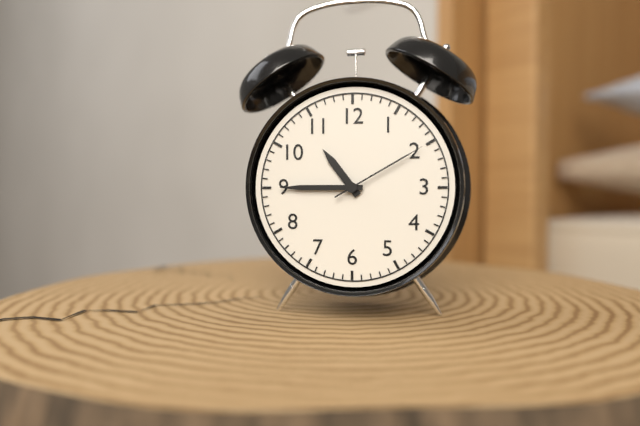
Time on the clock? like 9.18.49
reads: 10.45.10
